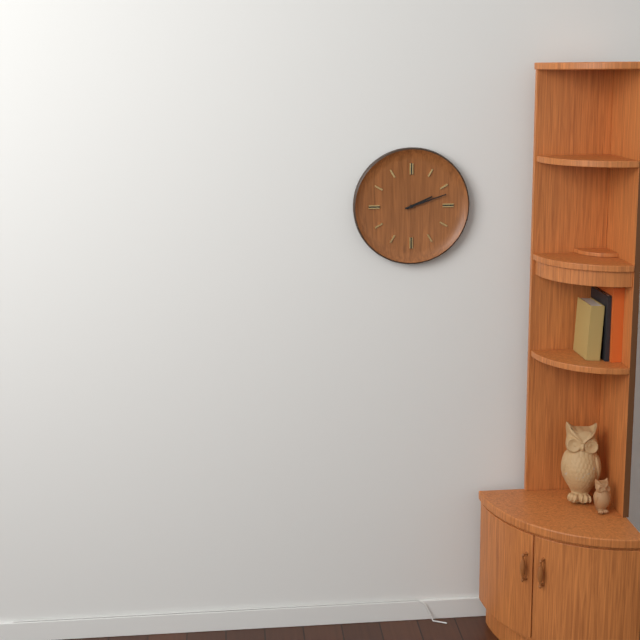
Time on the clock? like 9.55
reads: 2.12
